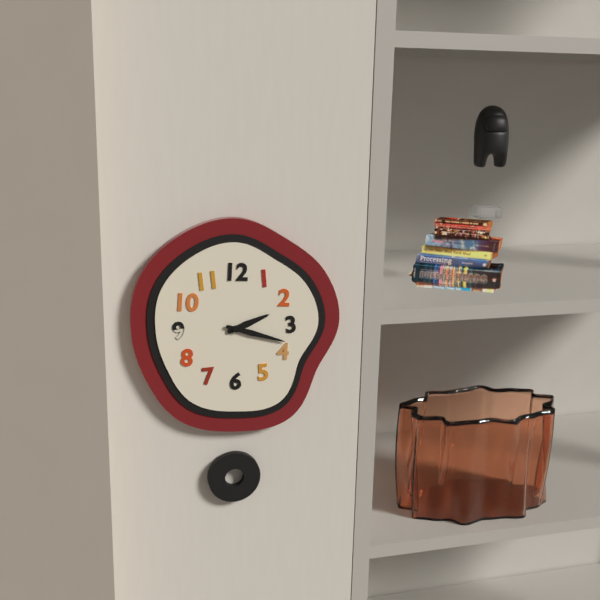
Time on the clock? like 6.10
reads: 2.18
